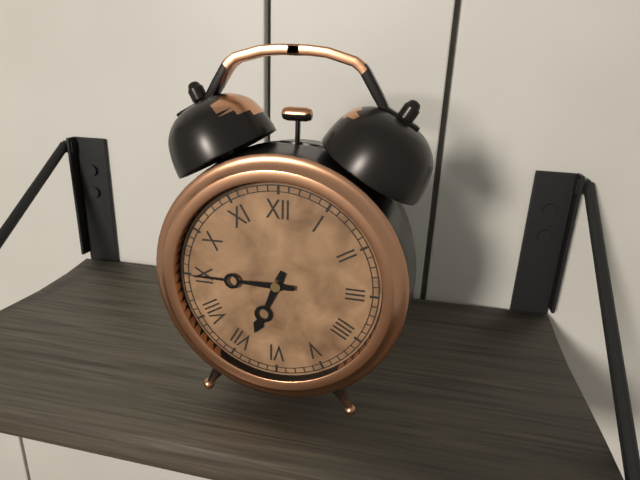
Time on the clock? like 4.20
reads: 6.45
